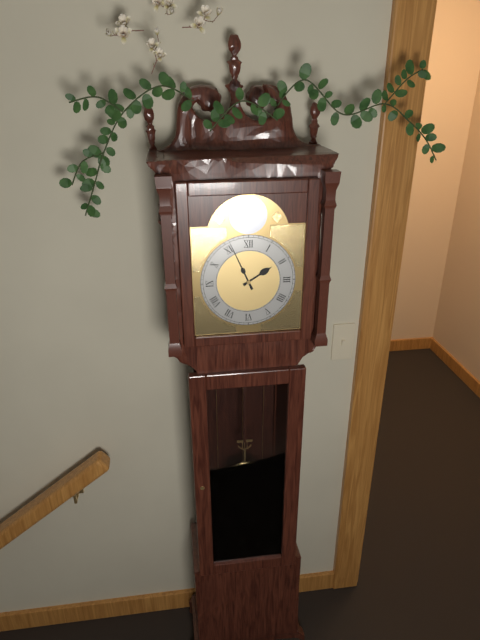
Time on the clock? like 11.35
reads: 1.56
